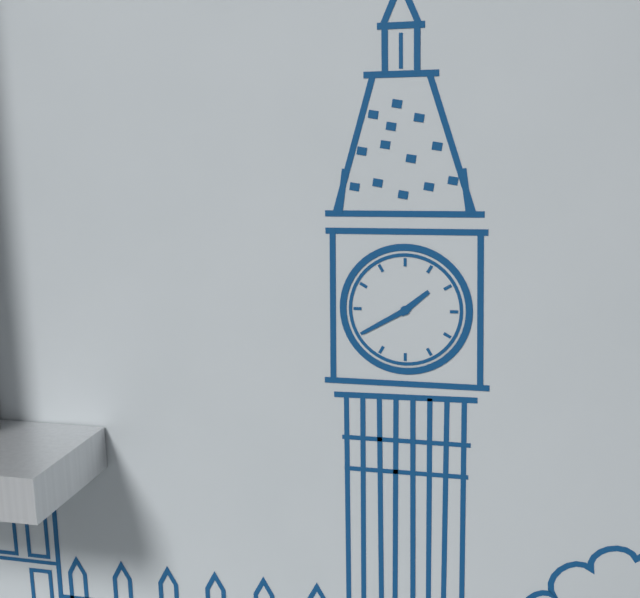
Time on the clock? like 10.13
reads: 1.40
